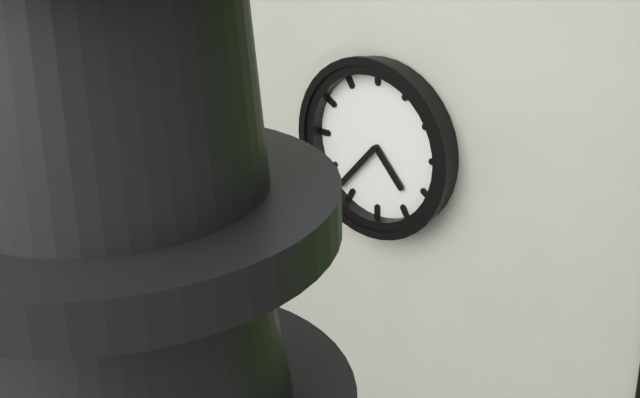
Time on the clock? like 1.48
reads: 4.37
